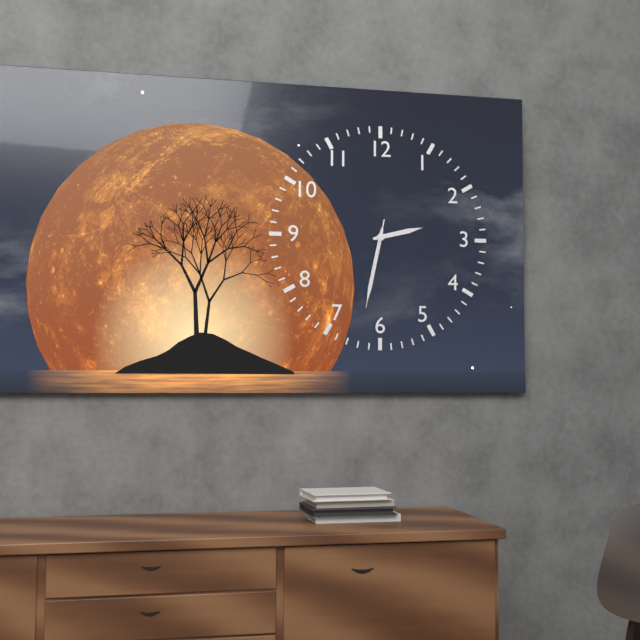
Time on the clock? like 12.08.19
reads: 2.32.32
